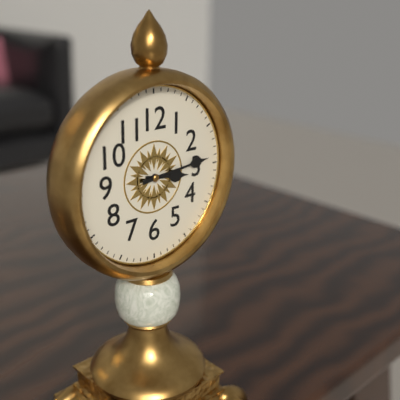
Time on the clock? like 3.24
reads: 3.14
